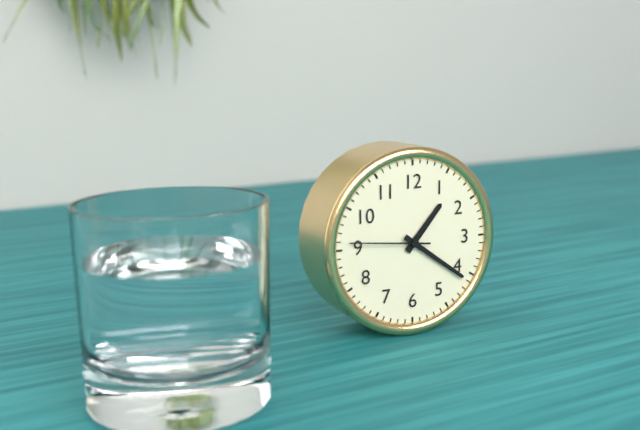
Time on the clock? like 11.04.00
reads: 1.21.46
